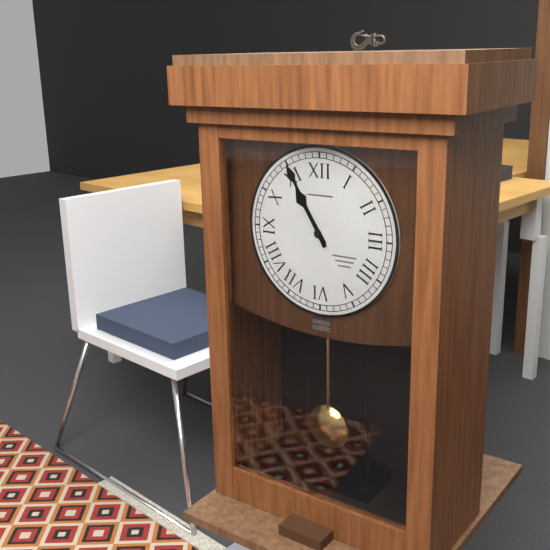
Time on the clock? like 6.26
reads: 10.55
